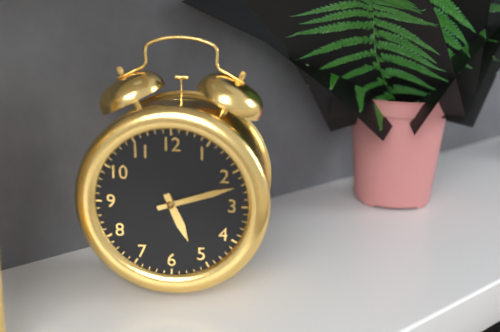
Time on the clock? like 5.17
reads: 5.12
